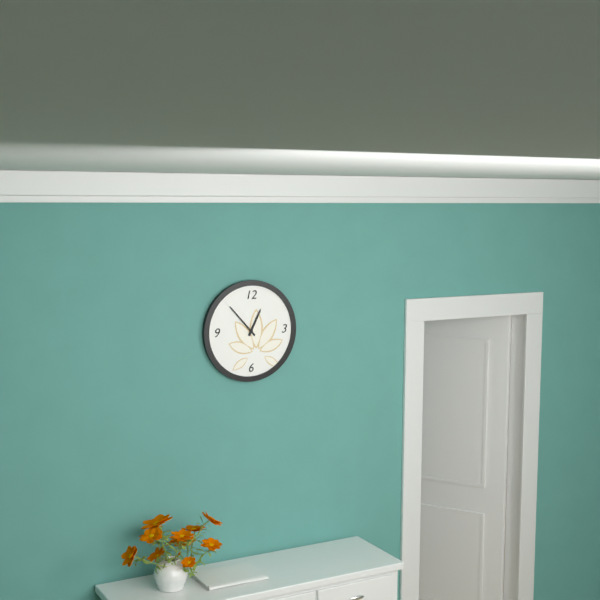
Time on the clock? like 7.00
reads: 12.53
